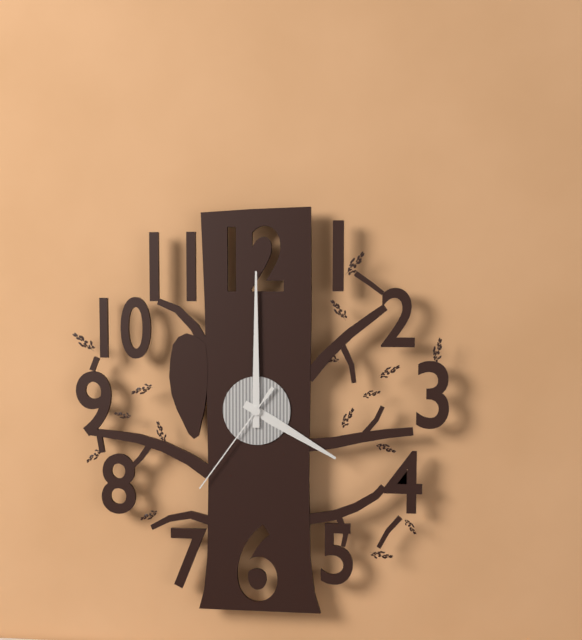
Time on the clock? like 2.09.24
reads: 4.00.36
